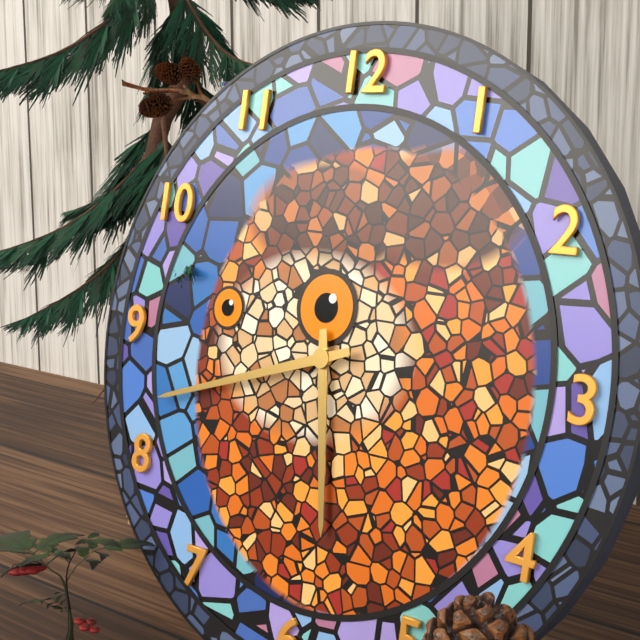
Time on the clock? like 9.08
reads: 5.42
